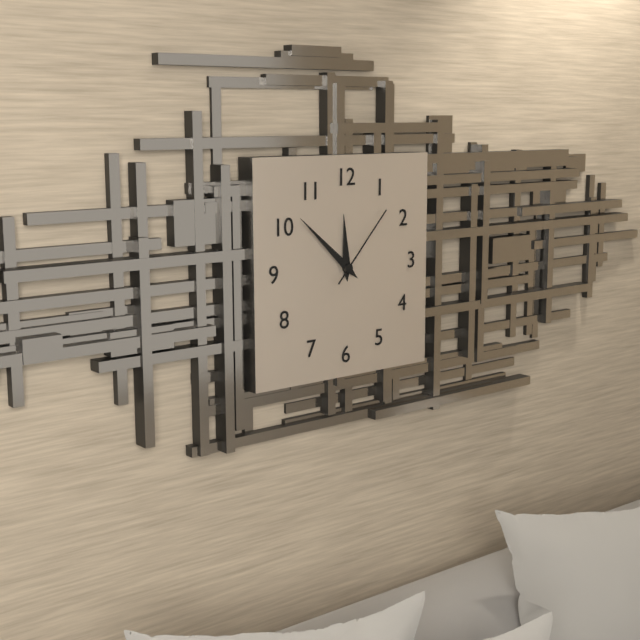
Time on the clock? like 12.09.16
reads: 11.52.07
